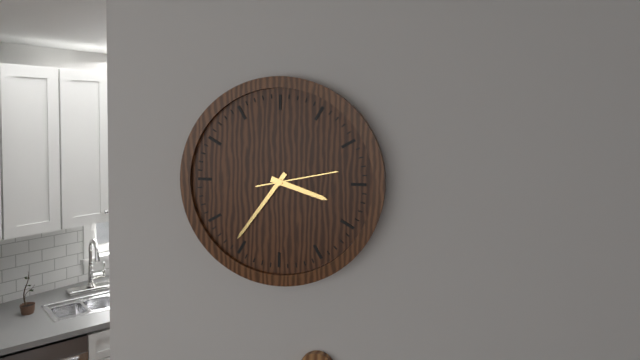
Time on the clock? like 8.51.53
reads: 3.36.13
